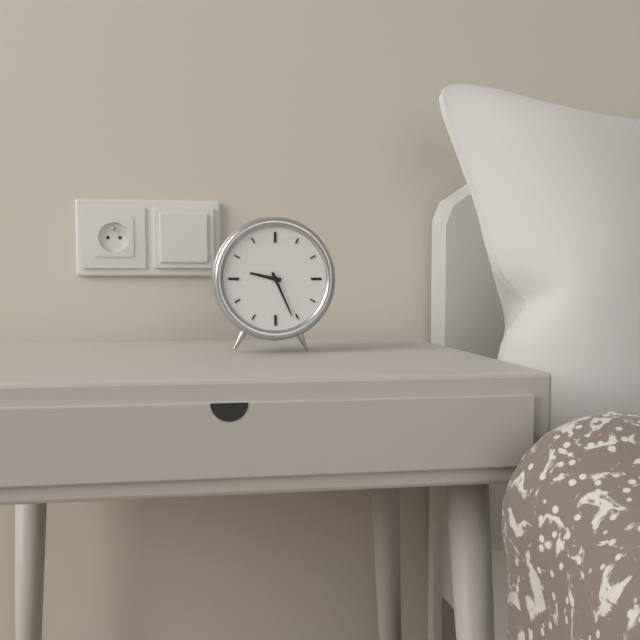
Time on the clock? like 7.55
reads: 9.26
